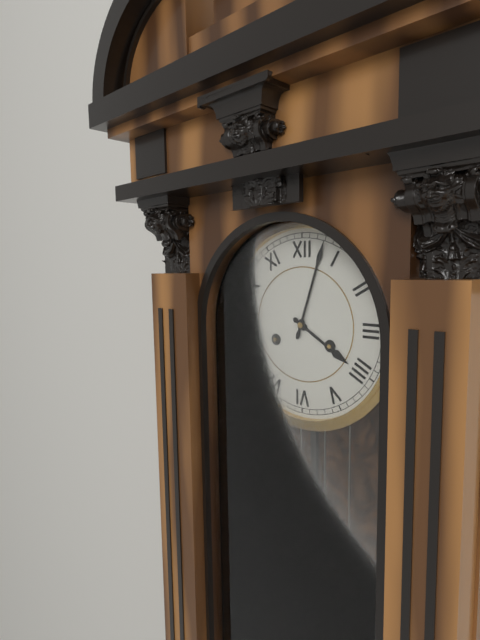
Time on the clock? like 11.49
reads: 4.03
